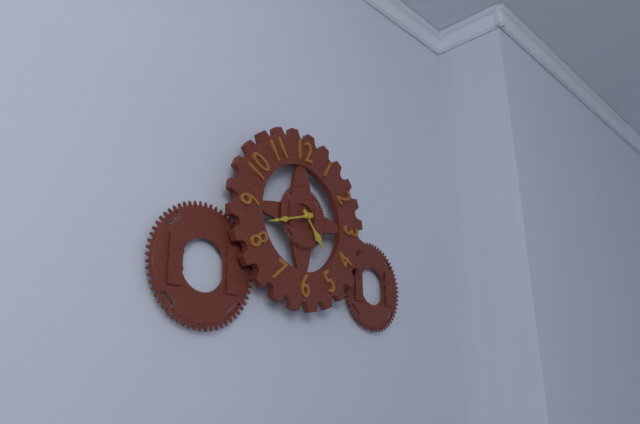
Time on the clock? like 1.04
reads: 4.42
